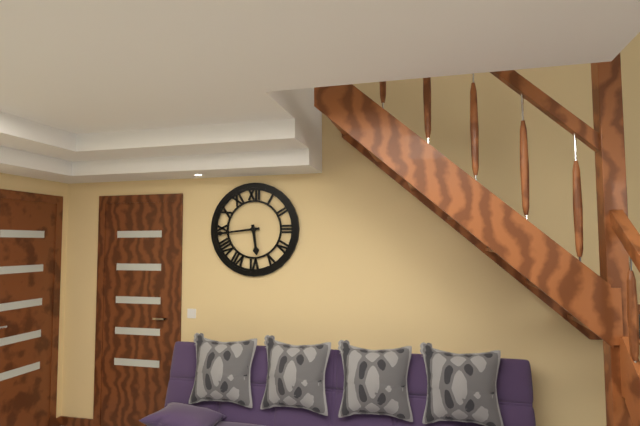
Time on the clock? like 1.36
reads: 5.44
